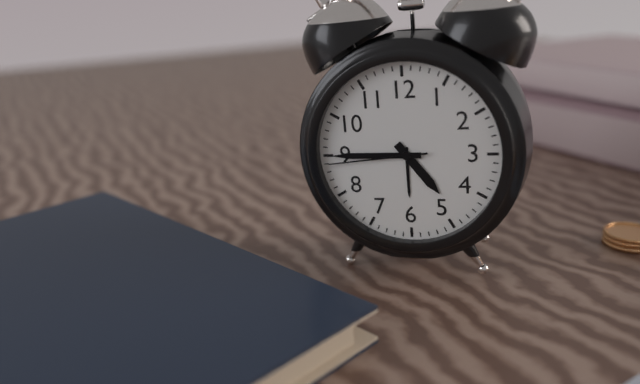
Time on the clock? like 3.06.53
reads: 4.45.44
